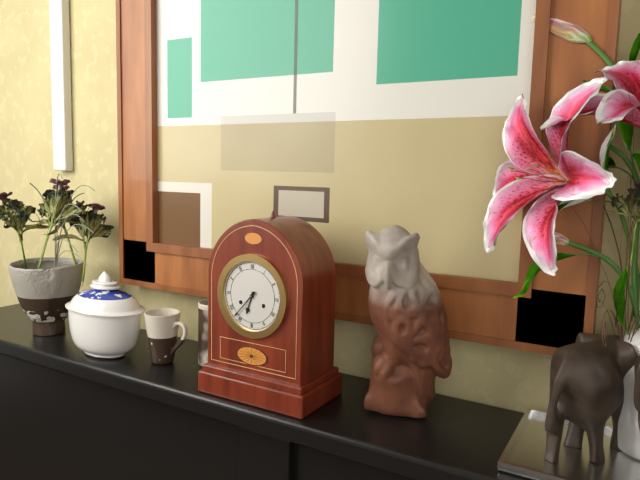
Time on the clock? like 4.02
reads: 6.37
